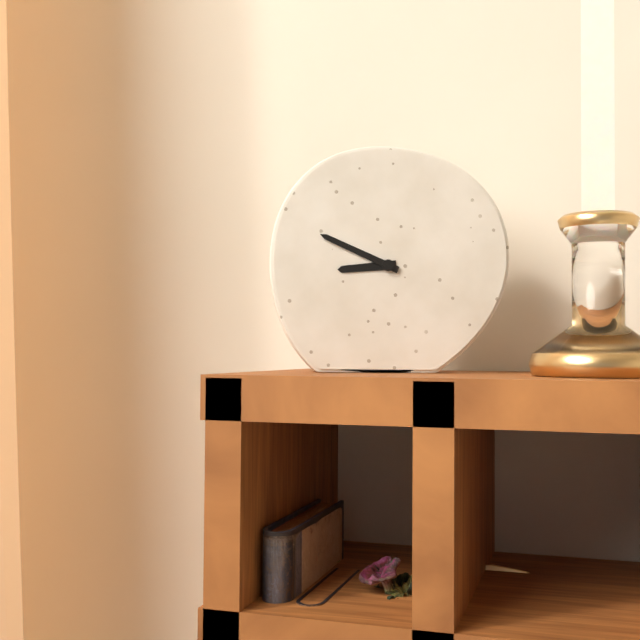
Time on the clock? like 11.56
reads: 8.49
